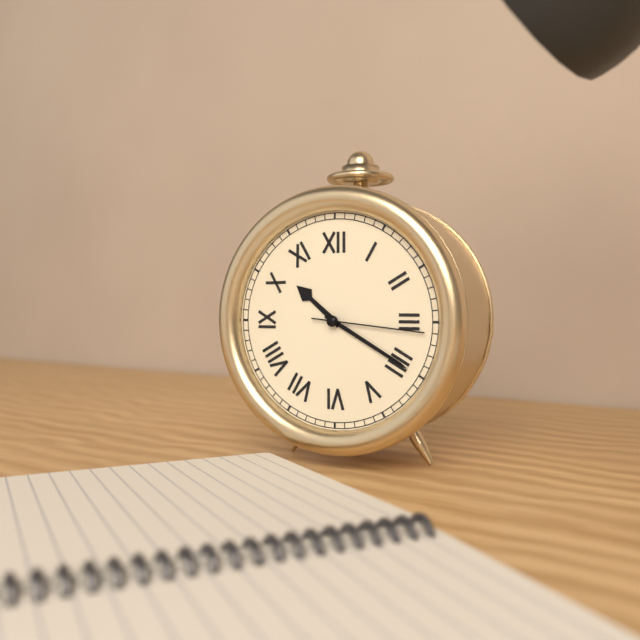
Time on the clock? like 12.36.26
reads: 10.20.16
